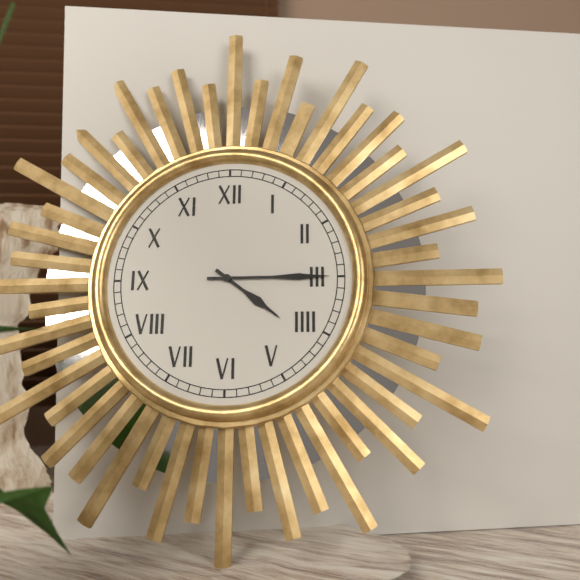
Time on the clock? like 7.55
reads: 4.15
